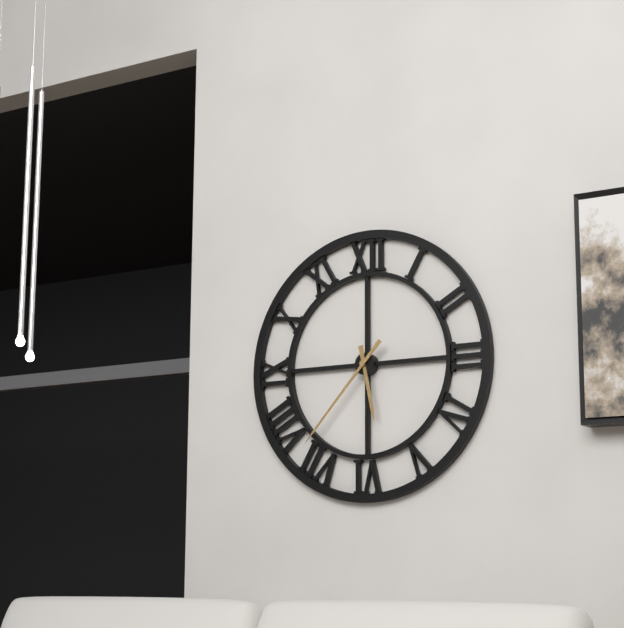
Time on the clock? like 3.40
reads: 5.37
